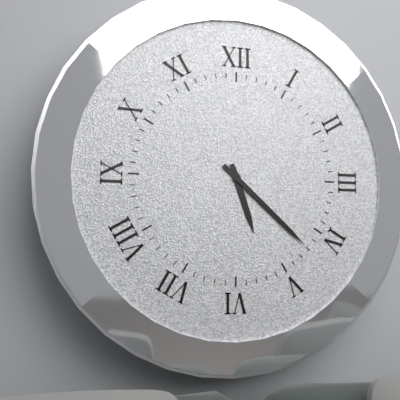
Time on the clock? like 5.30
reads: 5.22
